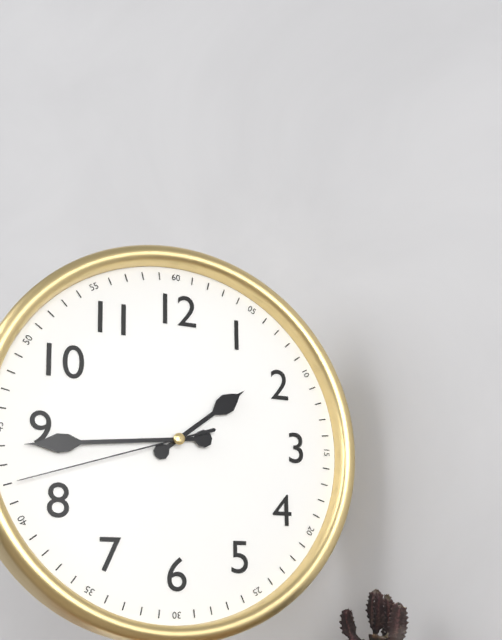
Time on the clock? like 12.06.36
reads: 1.44.42
